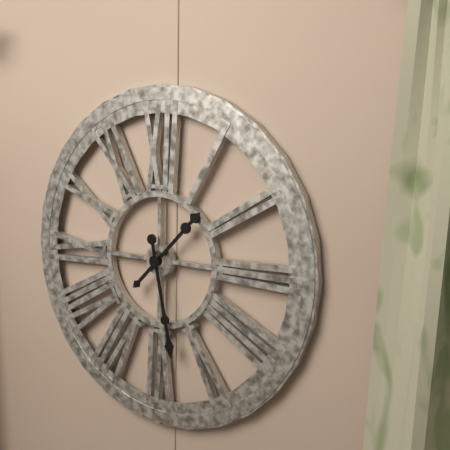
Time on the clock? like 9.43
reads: 1.28
